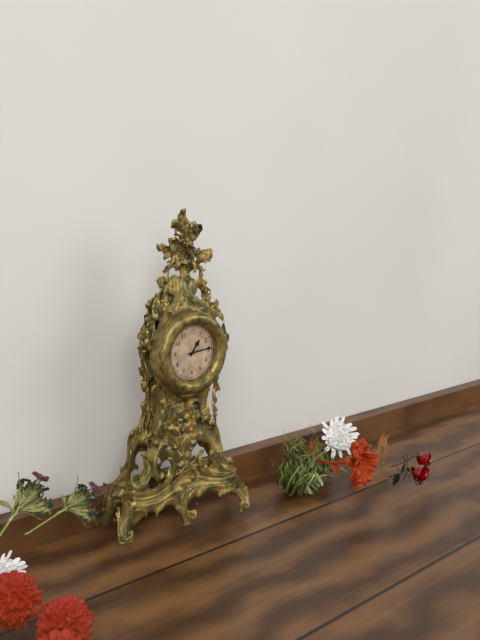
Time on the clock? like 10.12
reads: 1.14
